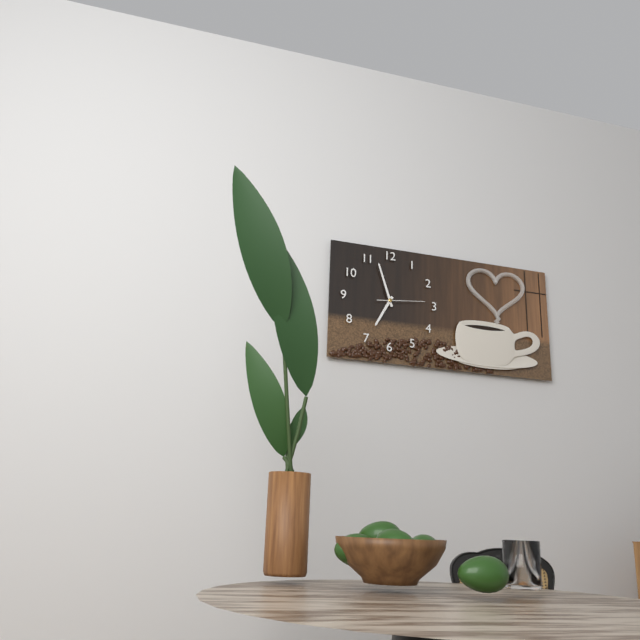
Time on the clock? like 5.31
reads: 6.57
